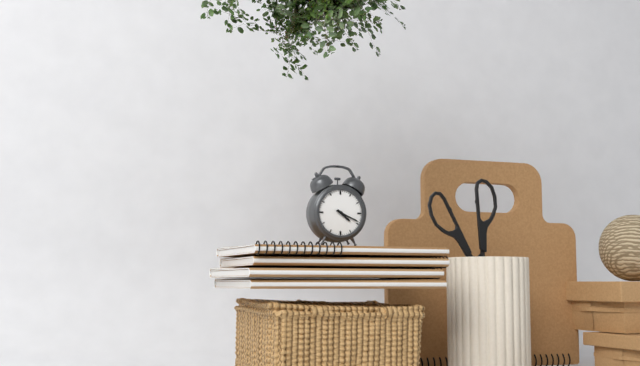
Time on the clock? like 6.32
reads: 4.19
